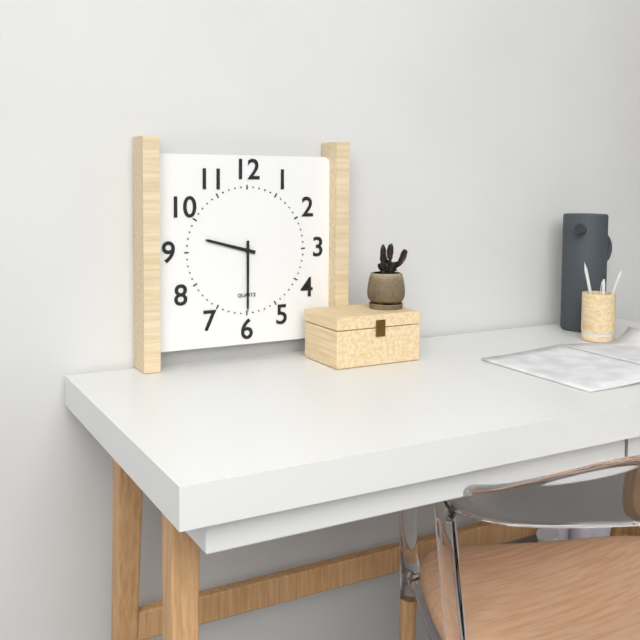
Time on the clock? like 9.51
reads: 9.30
